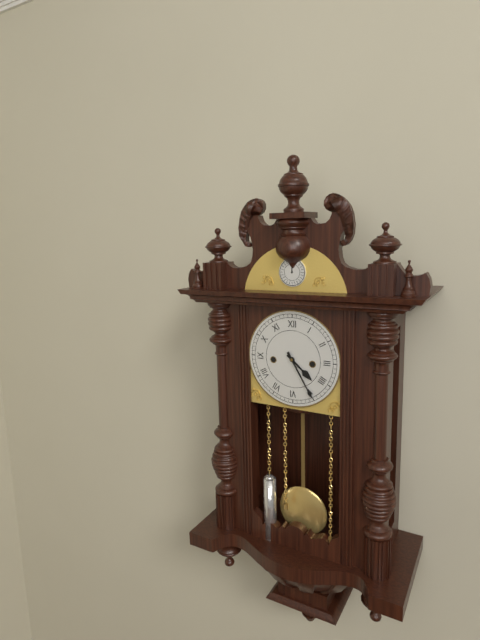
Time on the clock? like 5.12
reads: 4.25
